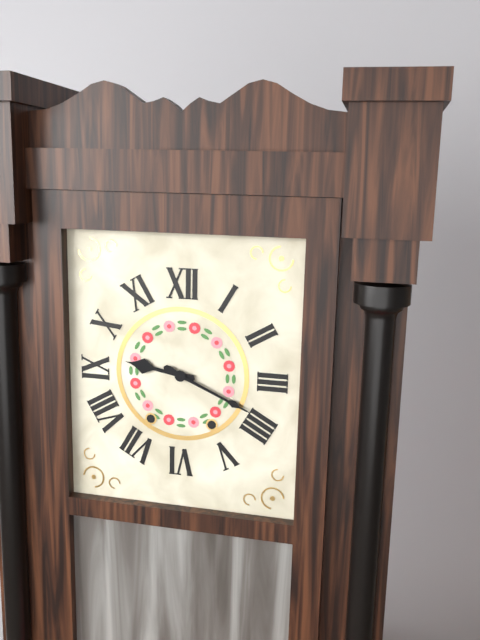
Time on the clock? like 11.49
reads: 9.19
